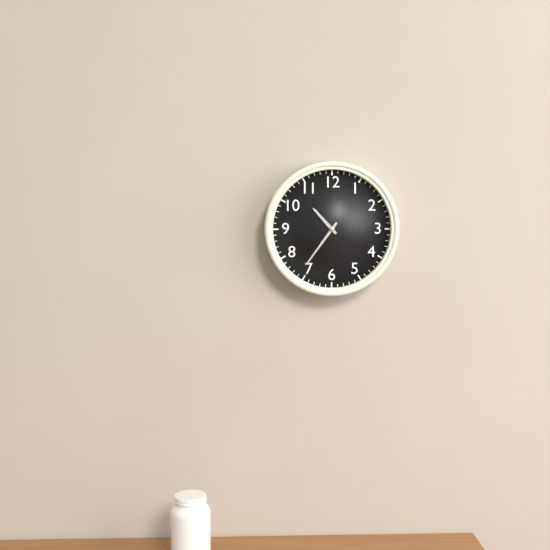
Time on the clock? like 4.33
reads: 10.36
